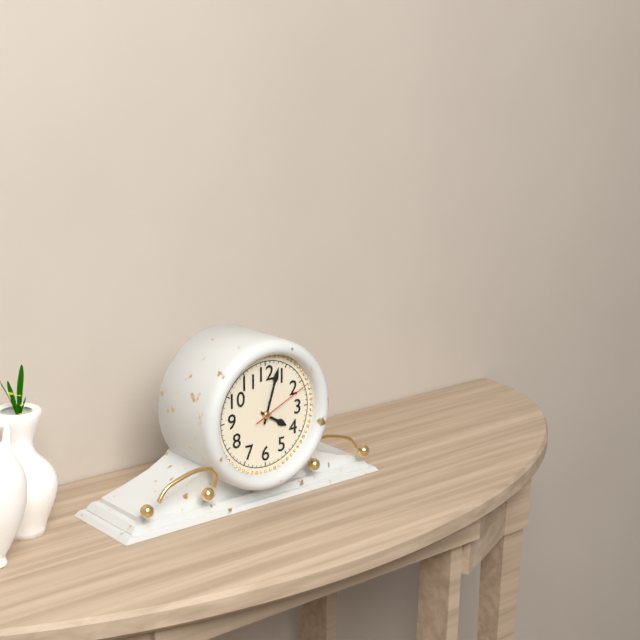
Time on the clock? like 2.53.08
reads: 4.03.11
